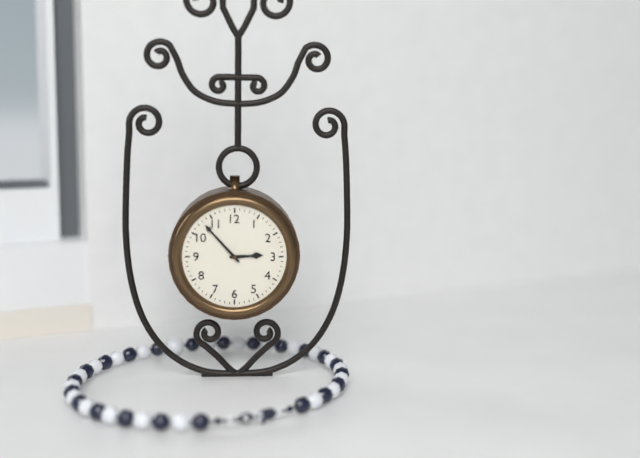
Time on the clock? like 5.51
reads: 2.53
